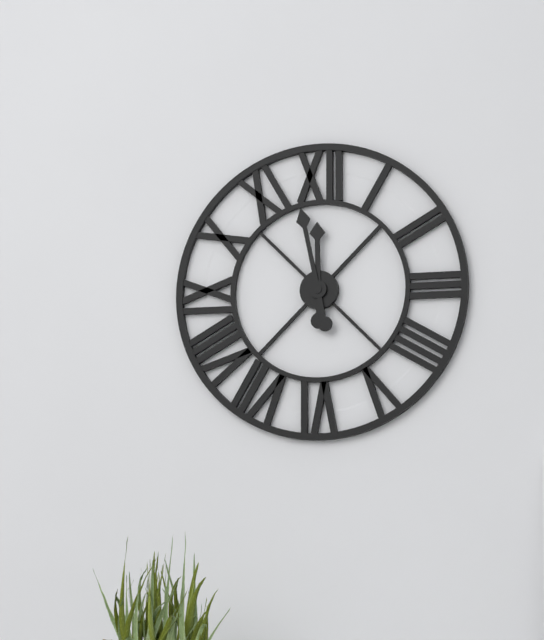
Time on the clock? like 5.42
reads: 11.58
